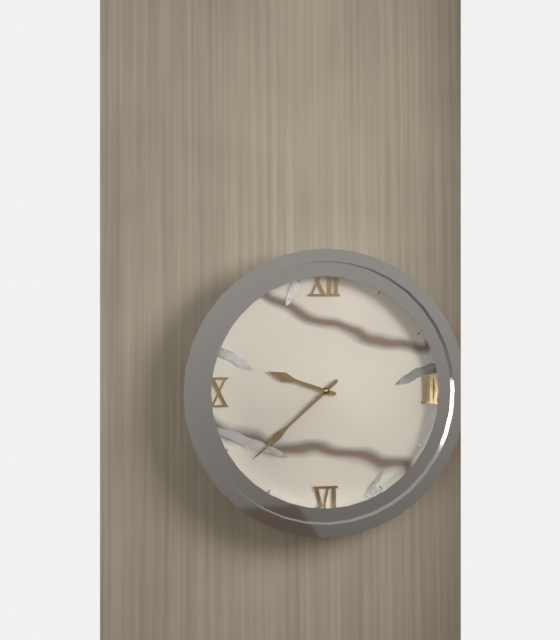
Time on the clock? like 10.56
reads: 9.38
